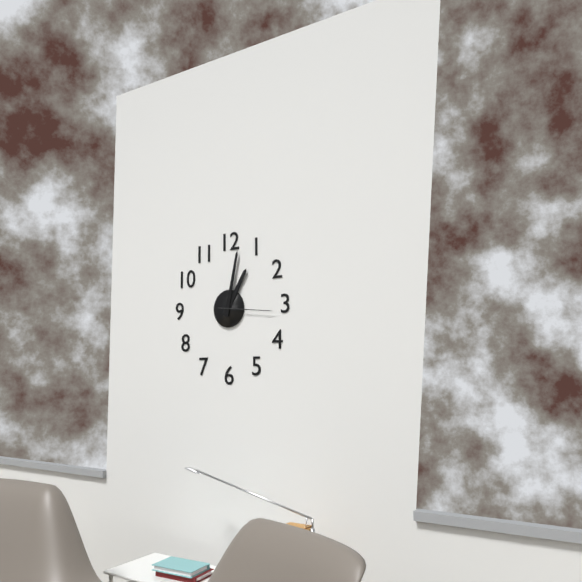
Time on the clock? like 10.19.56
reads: 1.02.16
